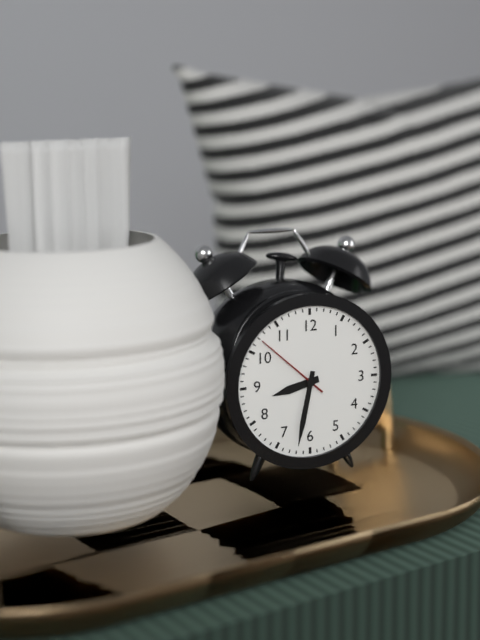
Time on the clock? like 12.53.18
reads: 8.32.52
